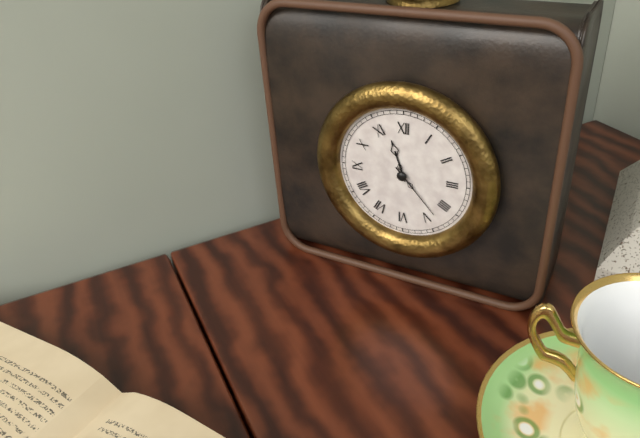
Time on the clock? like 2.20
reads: 11.23
